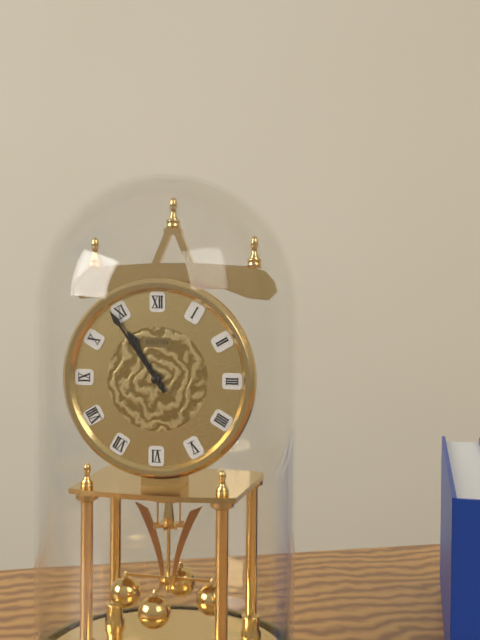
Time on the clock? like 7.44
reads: 10.54
